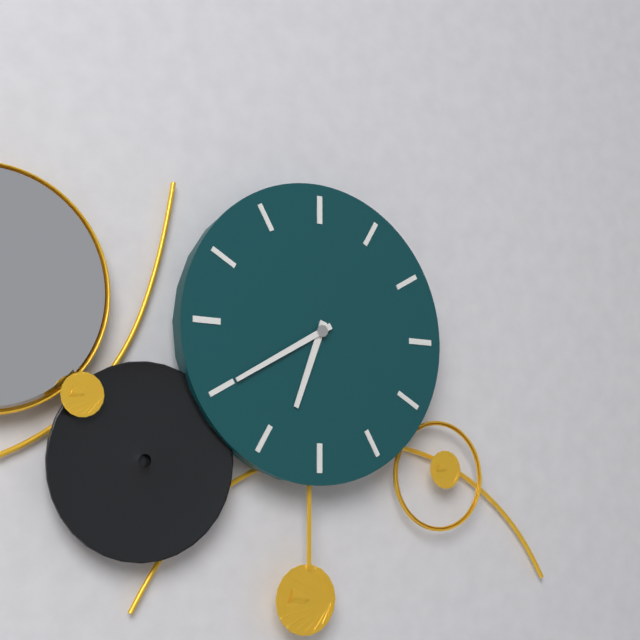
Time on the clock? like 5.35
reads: 6.40
